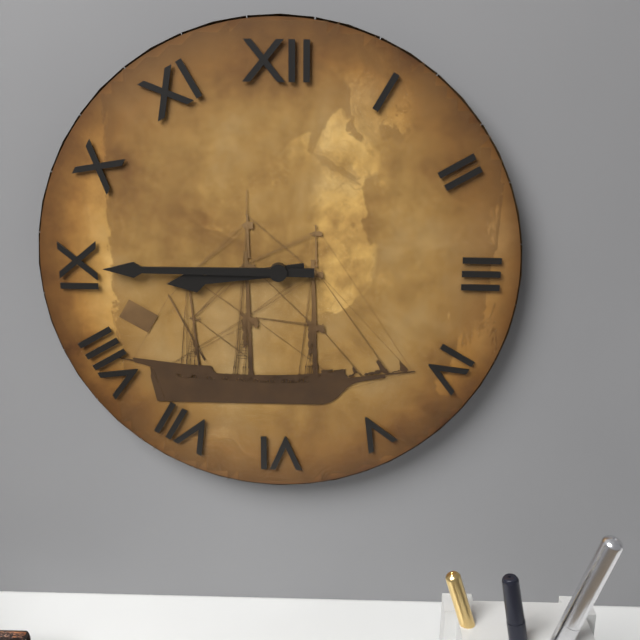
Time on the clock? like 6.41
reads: 8.45
